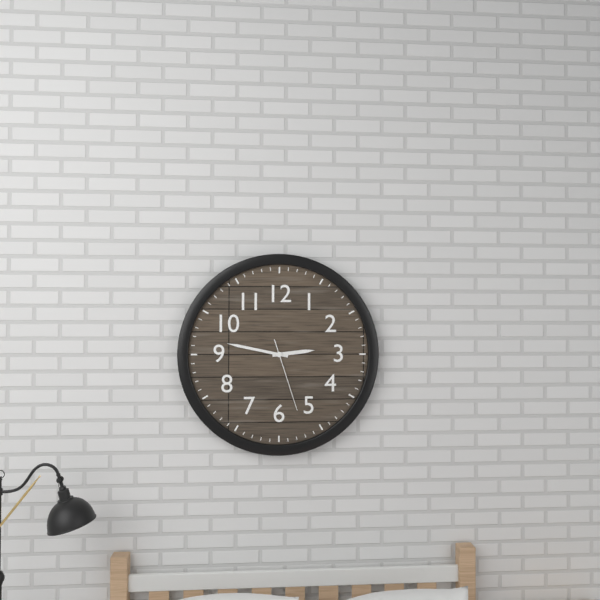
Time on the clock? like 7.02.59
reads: 2.47.27
